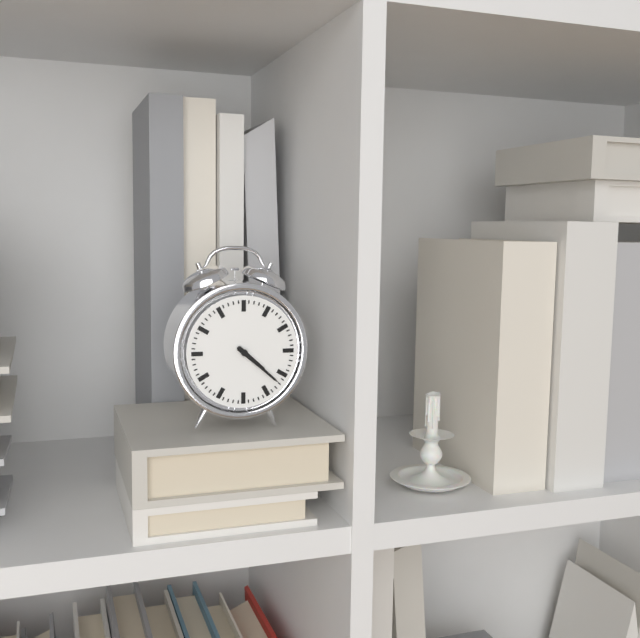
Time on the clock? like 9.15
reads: 4.22
